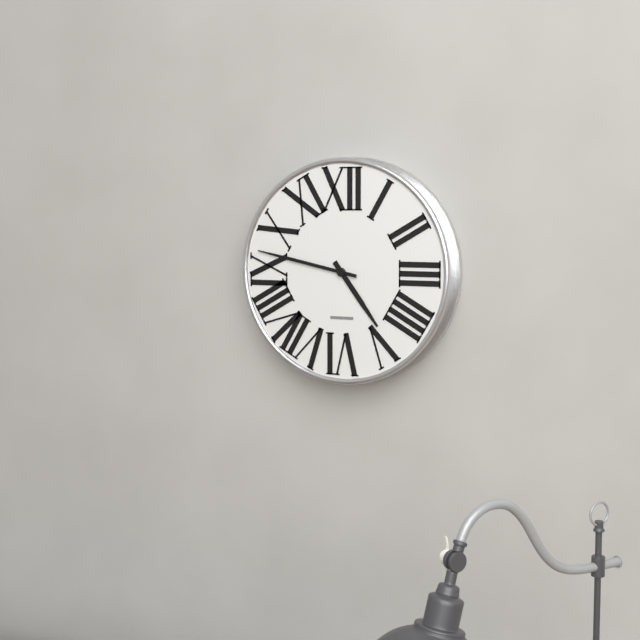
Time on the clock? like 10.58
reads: 4.47
